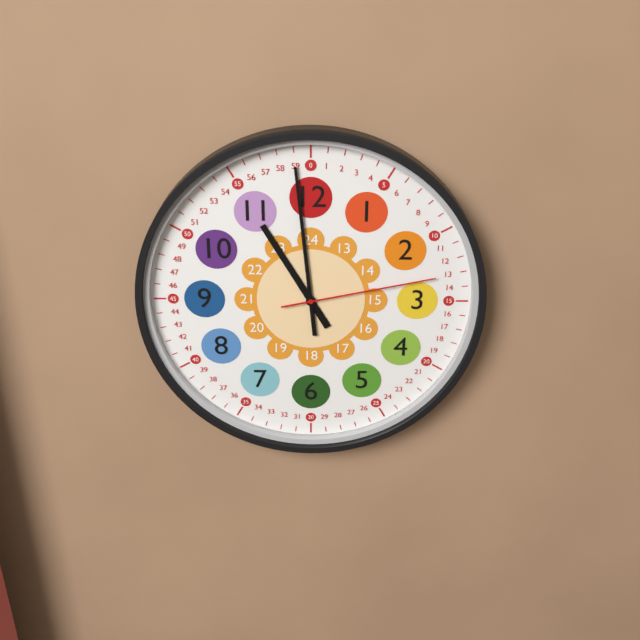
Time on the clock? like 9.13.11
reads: 10.59.13
